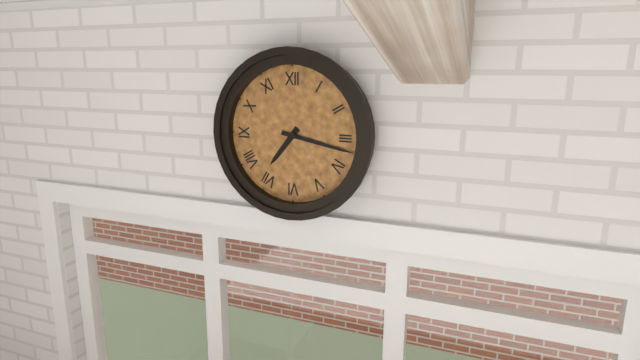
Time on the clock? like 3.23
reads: 7.17
